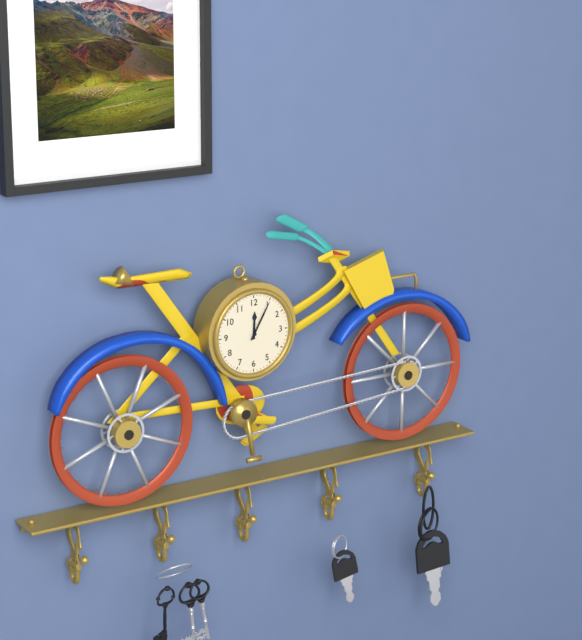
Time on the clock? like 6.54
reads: 12.05
